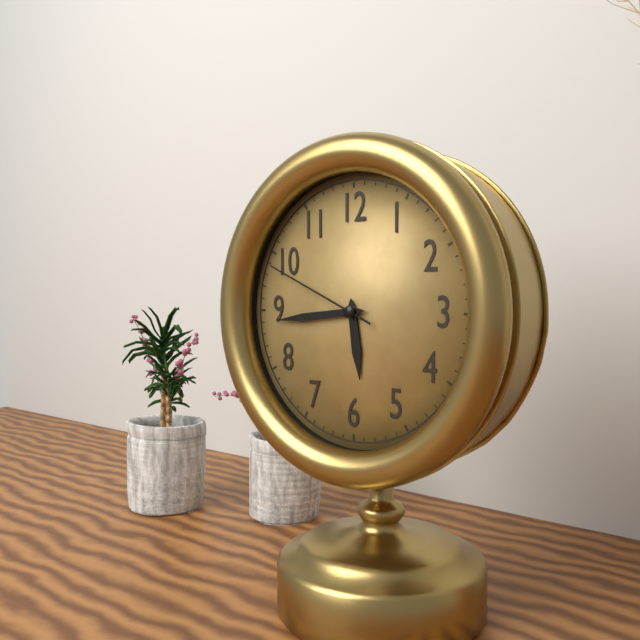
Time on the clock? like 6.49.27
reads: 5.44.49
